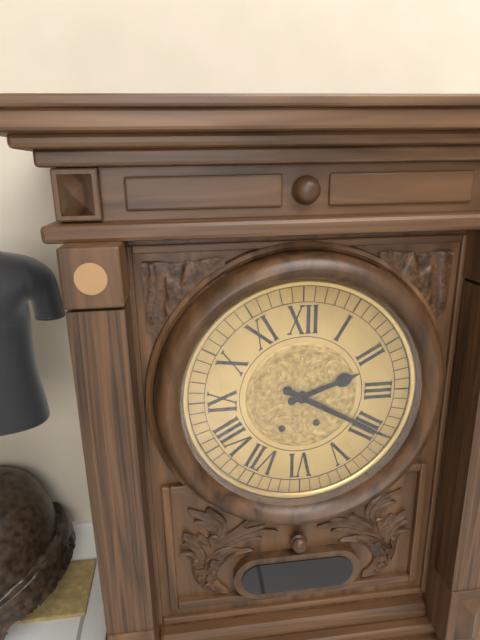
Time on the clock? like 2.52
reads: 2.20
